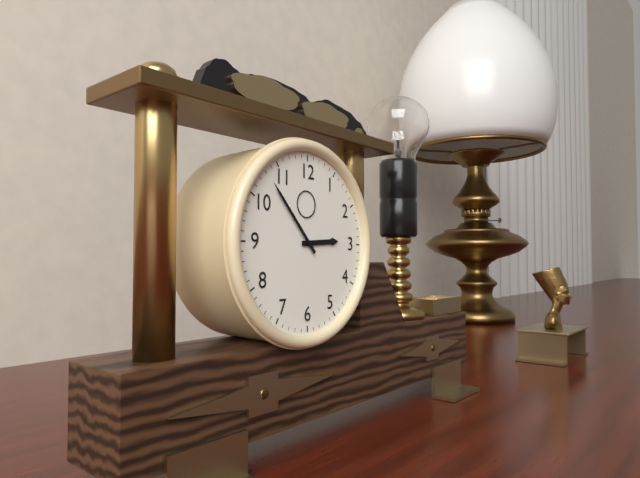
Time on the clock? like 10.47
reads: 2.53
